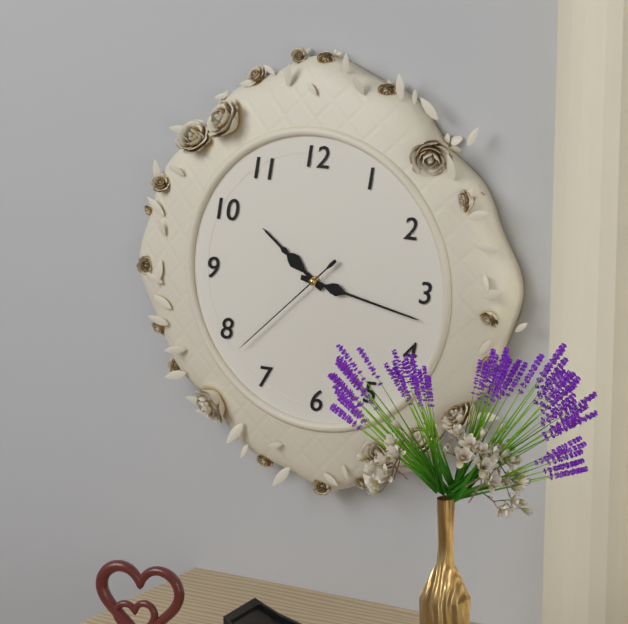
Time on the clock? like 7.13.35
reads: 10.17.38
